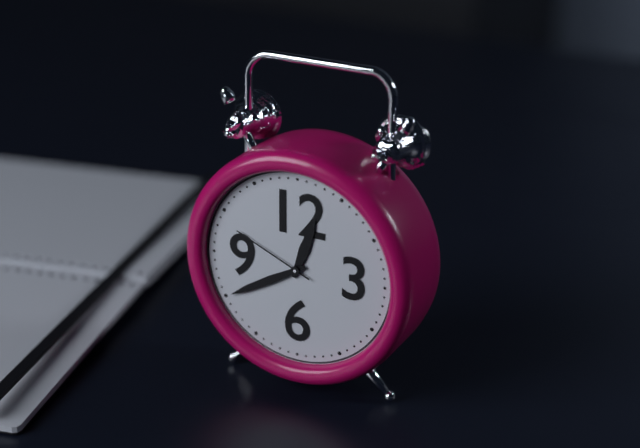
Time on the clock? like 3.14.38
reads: 12.40.49
